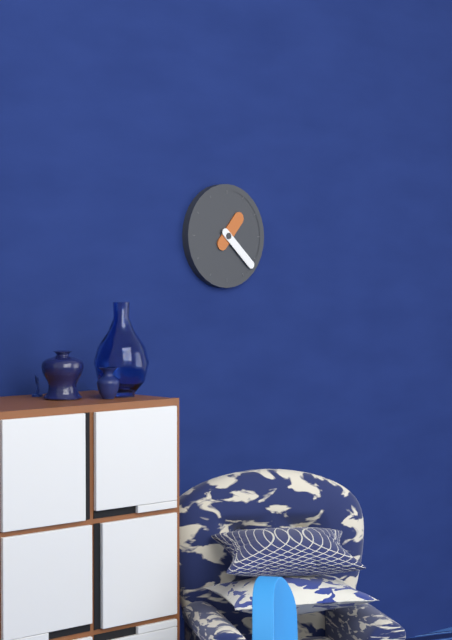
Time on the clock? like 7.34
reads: 1.22
